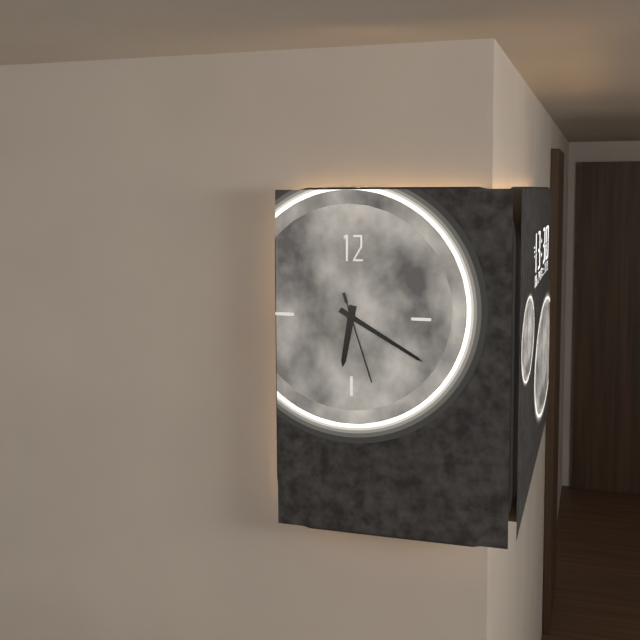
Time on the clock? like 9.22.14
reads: 6.20.27
